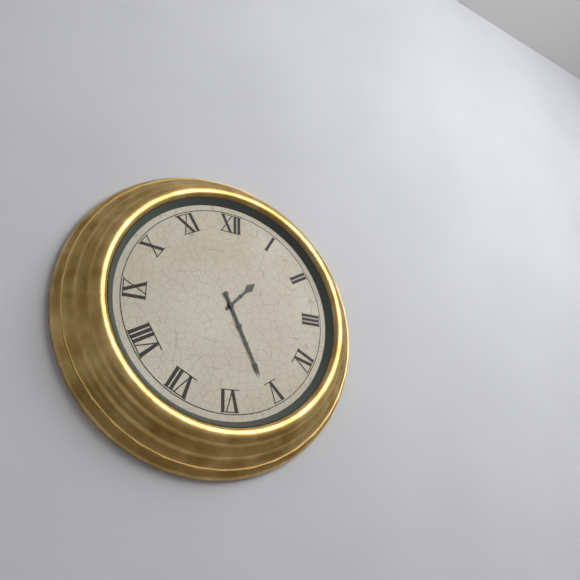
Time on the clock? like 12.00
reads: 1.26
